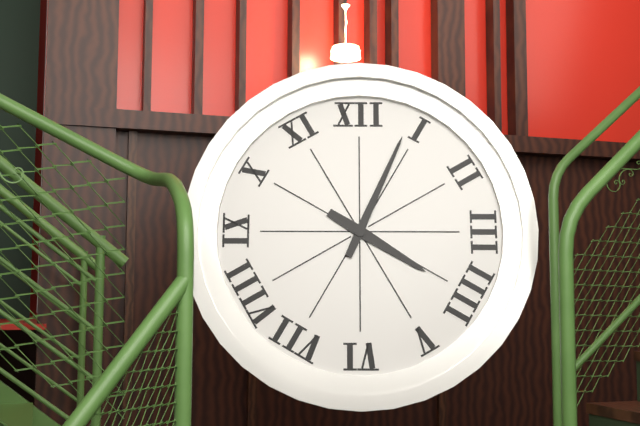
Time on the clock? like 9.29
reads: 4.04
